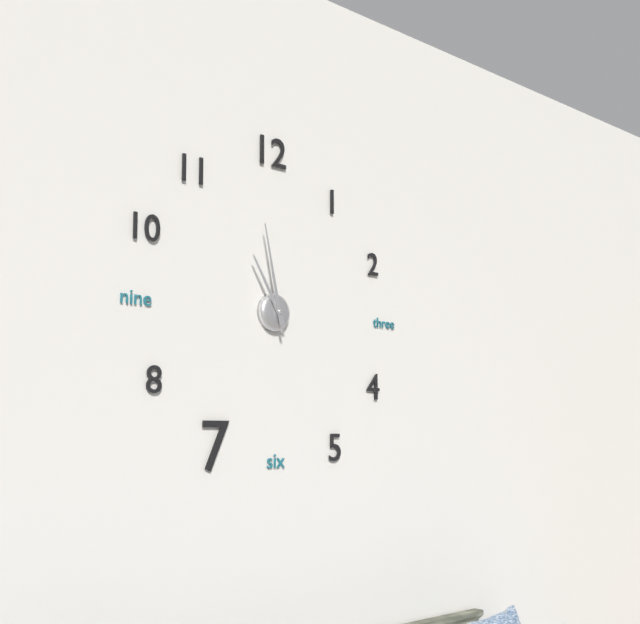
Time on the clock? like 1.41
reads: 10.58
